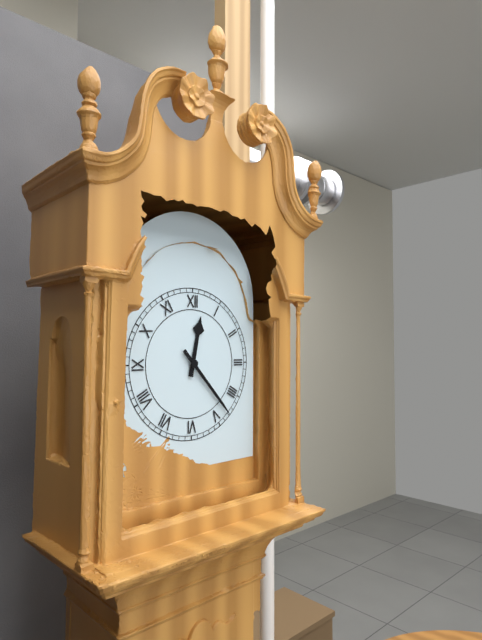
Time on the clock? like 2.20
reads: 12.23
